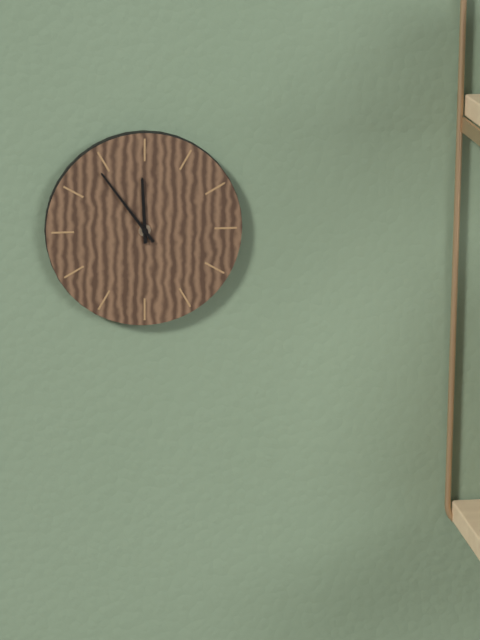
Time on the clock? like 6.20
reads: 11.54
